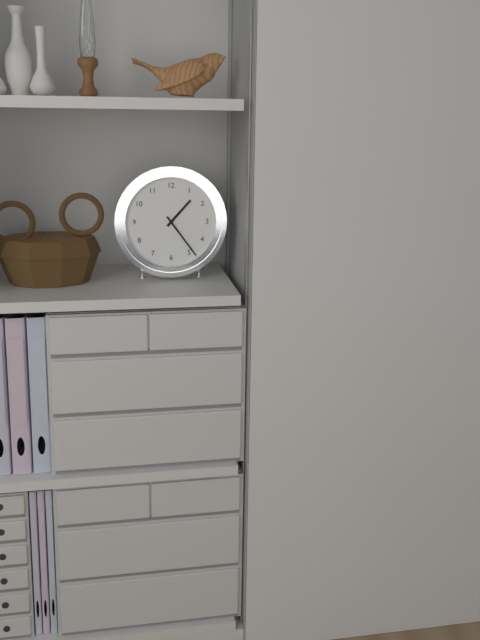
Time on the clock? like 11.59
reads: 1.24
